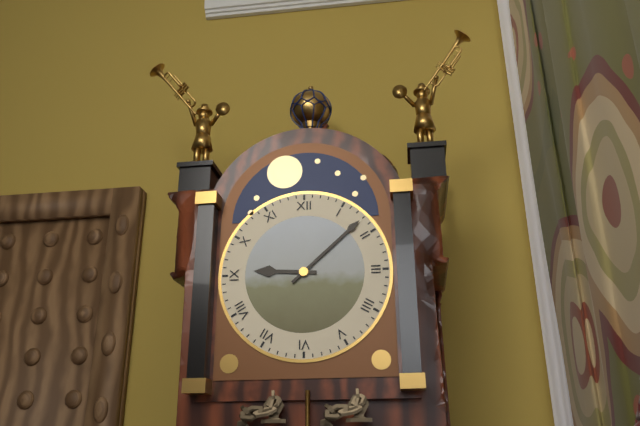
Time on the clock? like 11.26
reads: 9.08
